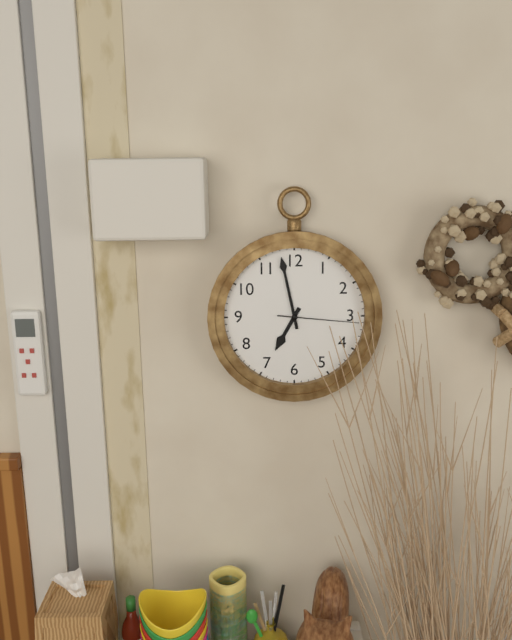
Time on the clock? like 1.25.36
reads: 6.58.16
